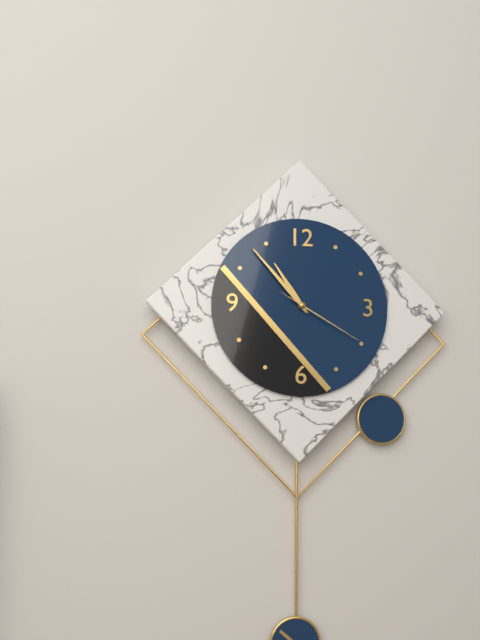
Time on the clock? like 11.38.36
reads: 10.53.20
